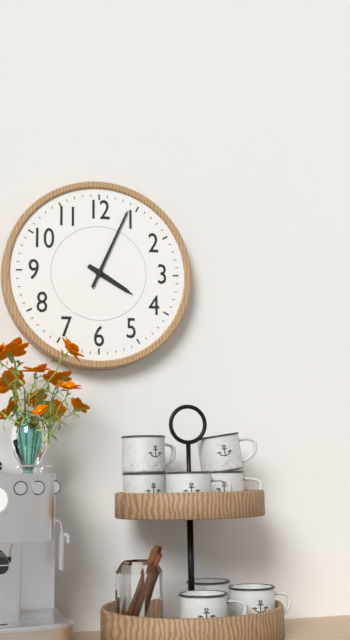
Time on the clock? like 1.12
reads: 4.04
